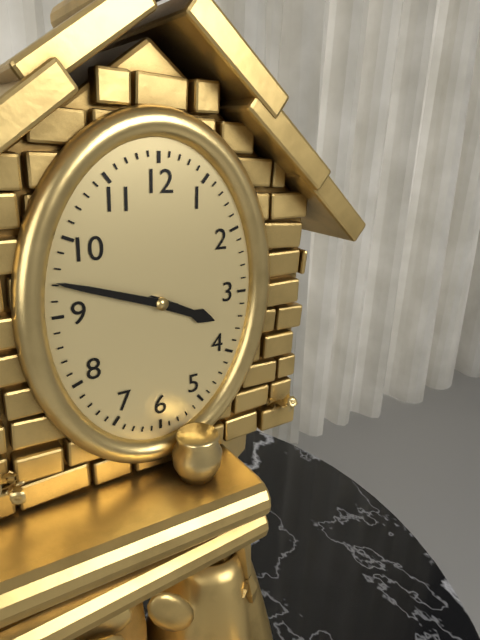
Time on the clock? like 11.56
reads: 3.48
